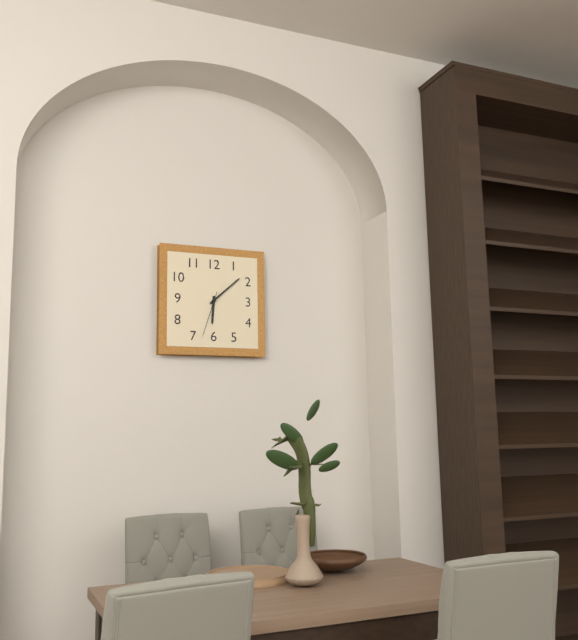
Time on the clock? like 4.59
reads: 6.08
